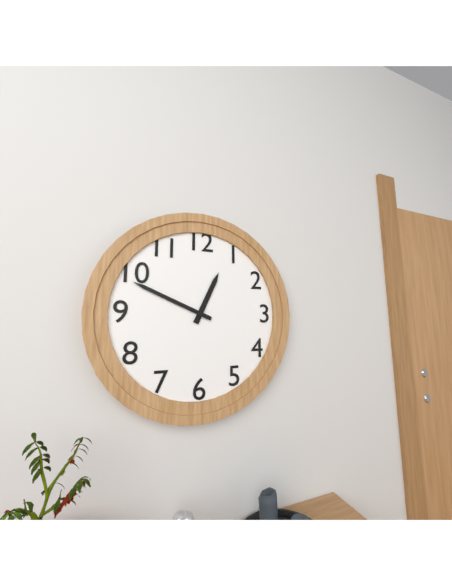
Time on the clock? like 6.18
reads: 12.49
